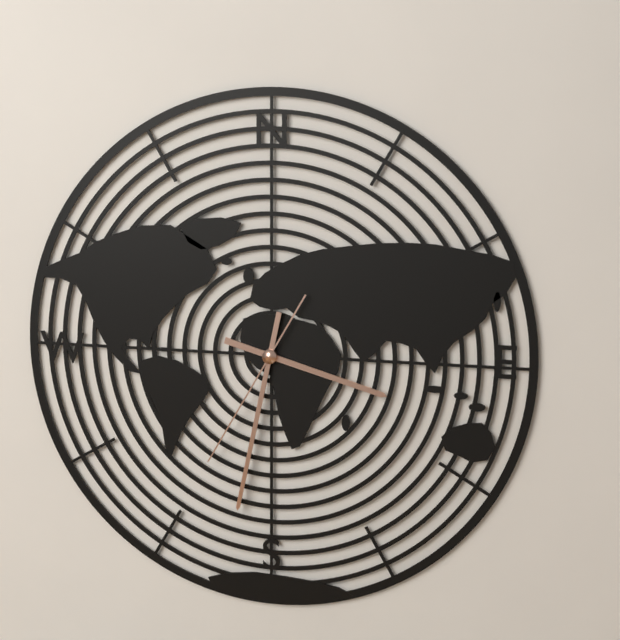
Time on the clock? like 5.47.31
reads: 3.32.35
